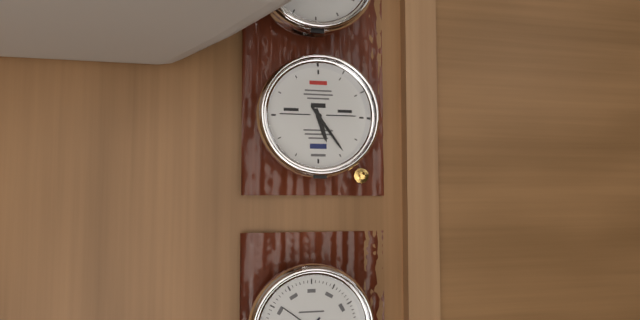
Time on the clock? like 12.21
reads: 5.24
